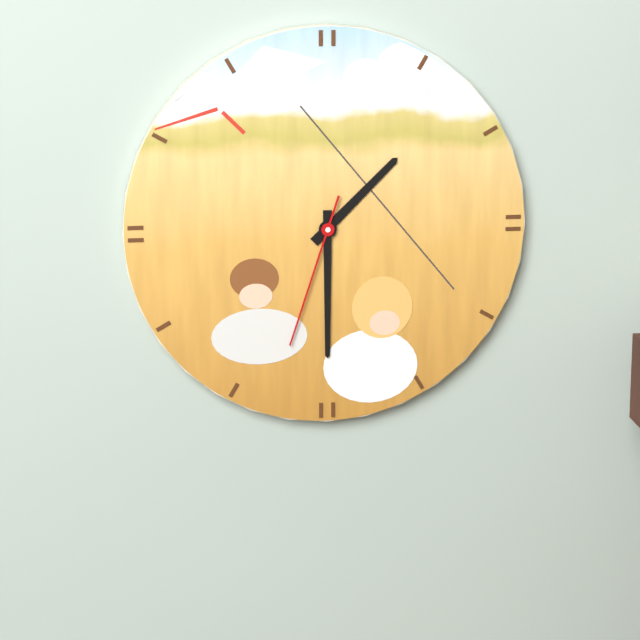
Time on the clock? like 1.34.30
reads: 1.30.33
